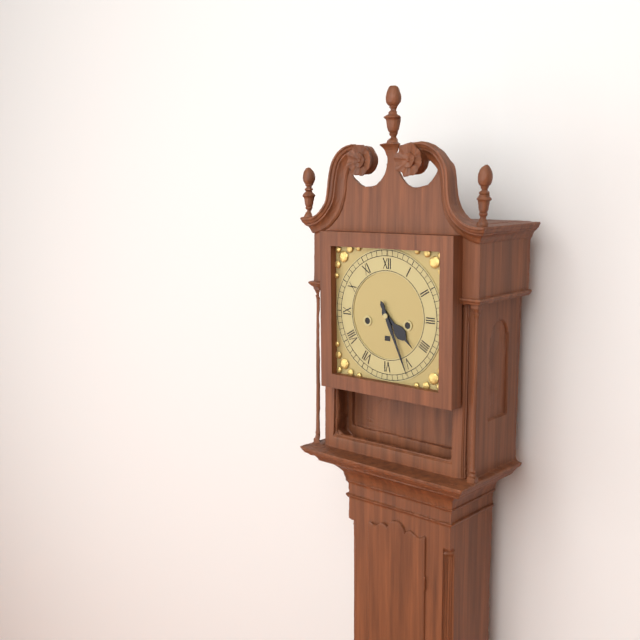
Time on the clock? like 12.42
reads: 4.26
